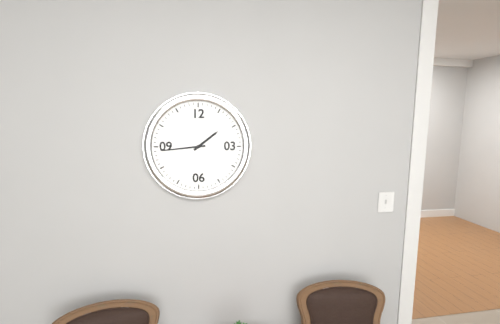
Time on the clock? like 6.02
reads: 1.44
